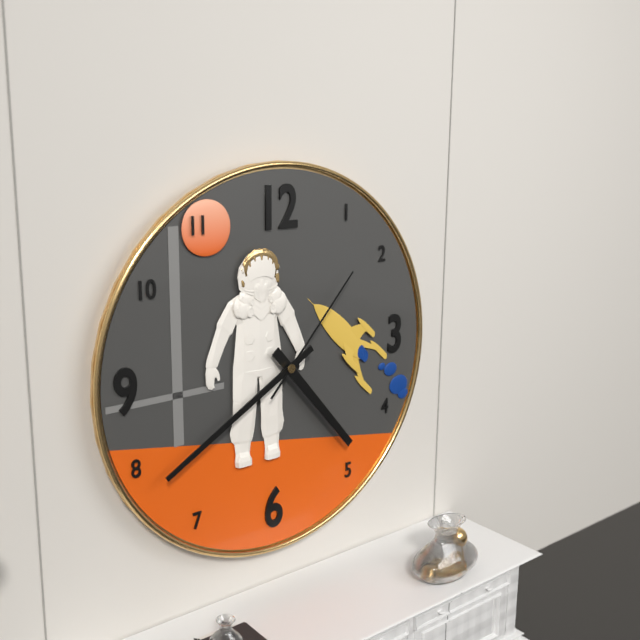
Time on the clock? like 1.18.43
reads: 4.40.07
